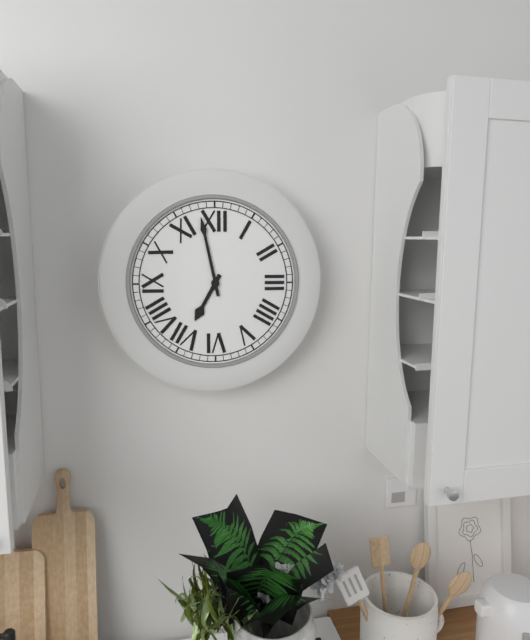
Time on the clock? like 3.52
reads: 6.58
